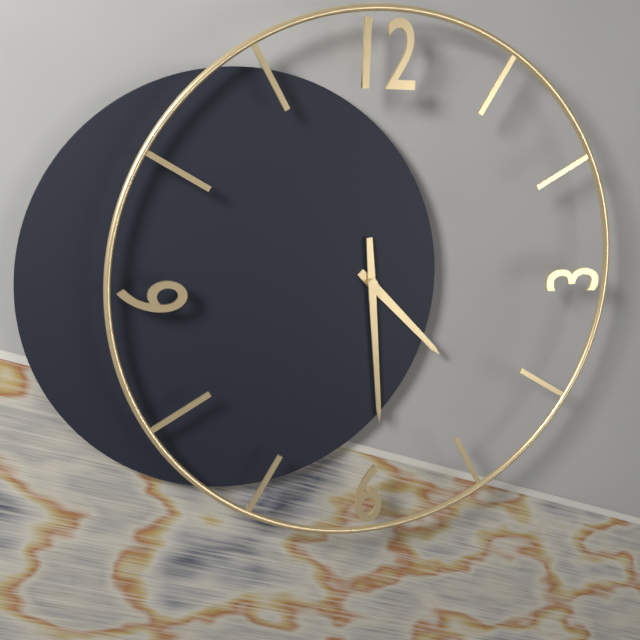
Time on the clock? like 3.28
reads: 4.29
